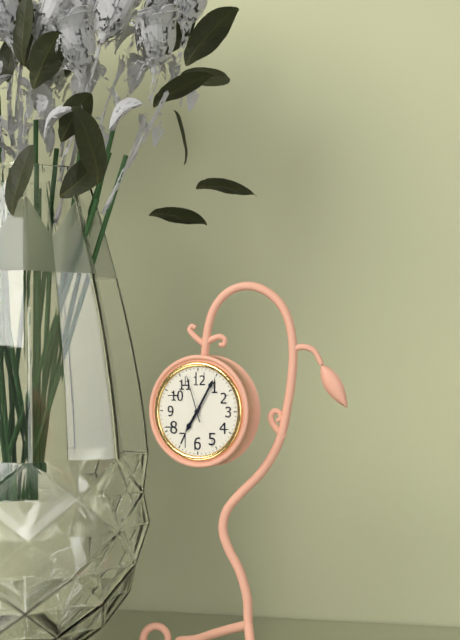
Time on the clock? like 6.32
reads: 7.05
